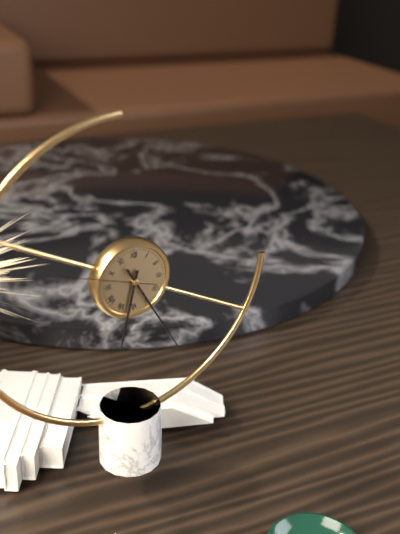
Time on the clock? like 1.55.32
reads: 6.25.48
